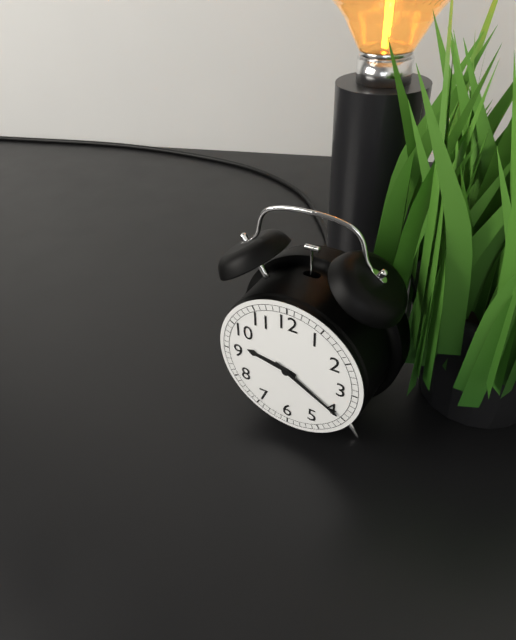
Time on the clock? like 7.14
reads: 9.20
